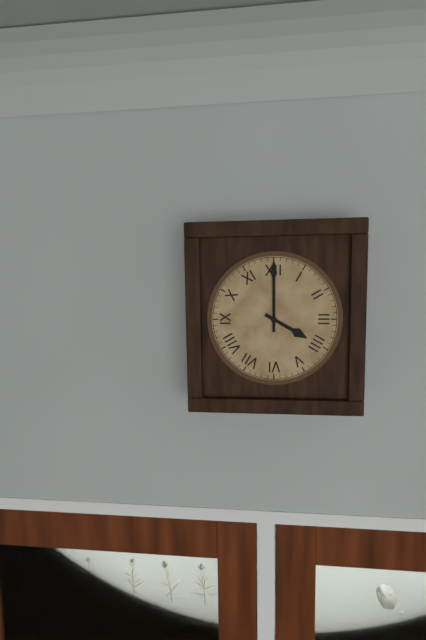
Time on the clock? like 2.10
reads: 4.00
